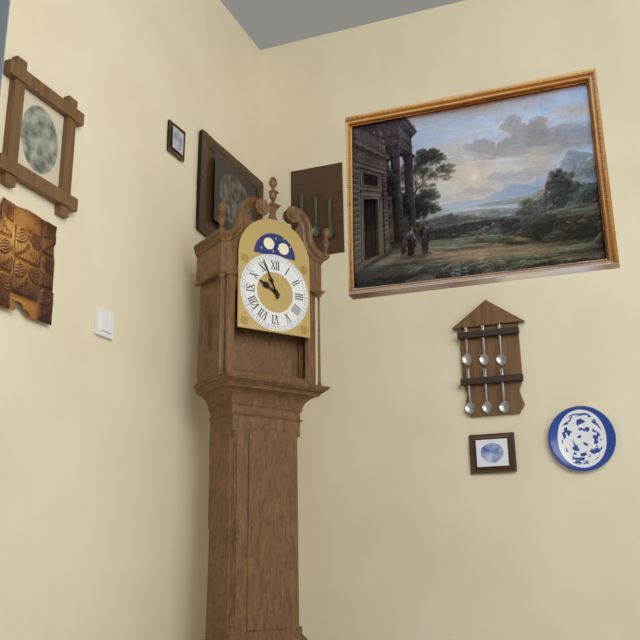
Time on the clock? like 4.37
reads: 9.56
